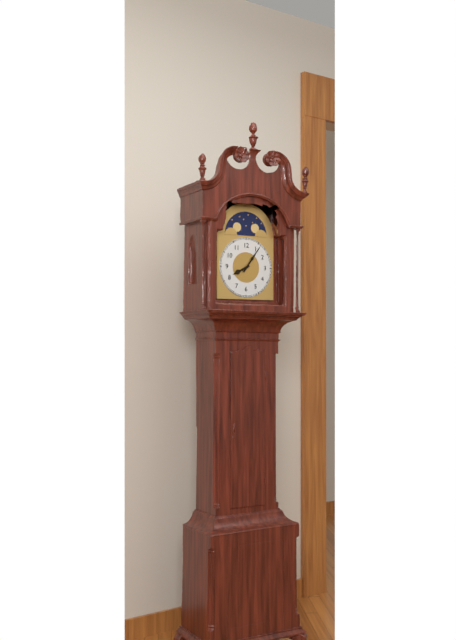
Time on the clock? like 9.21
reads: 8.06
